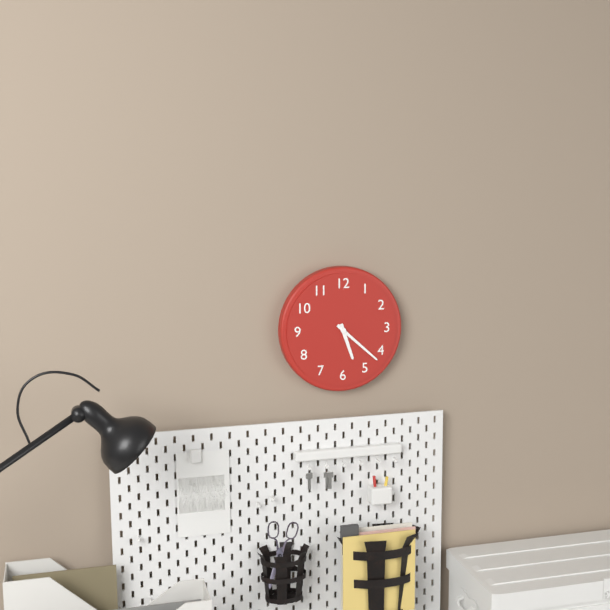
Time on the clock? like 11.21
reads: 5.22
